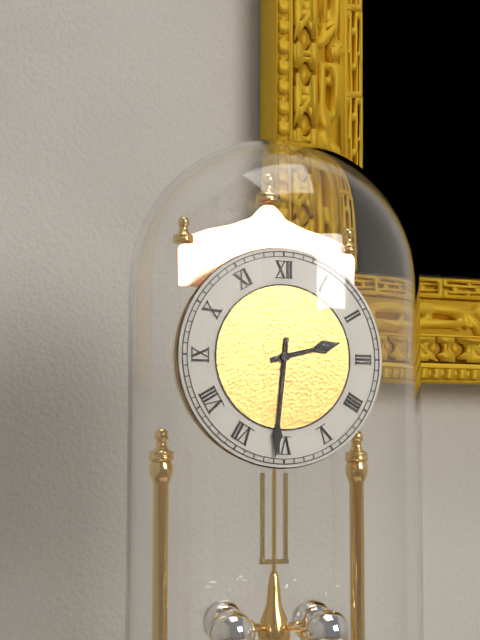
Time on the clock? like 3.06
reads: 2.31
